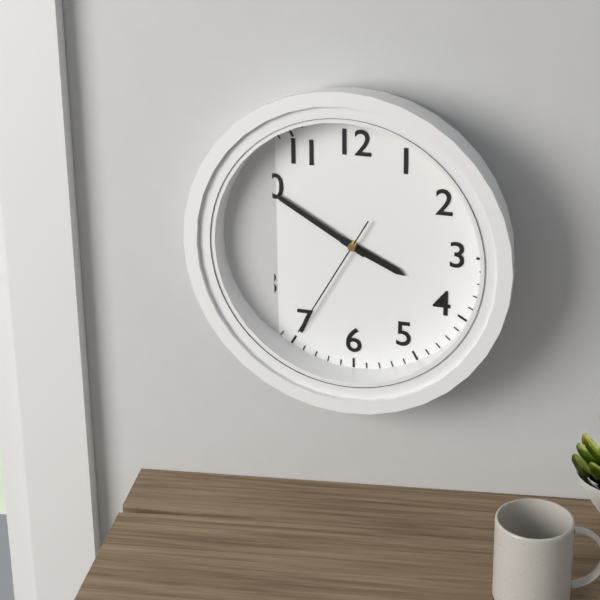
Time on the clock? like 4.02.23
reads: 3.50.35
